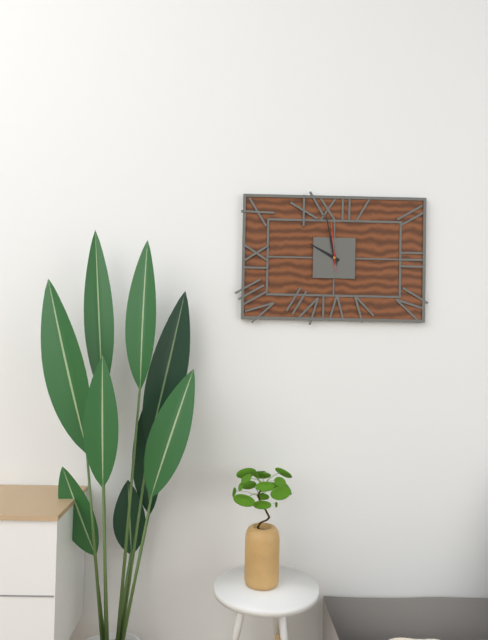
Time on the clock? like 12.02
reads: 9.58
